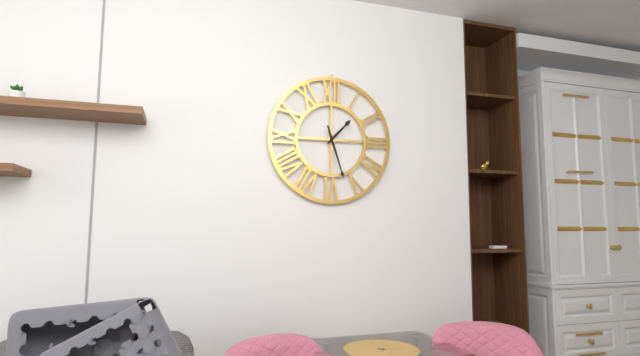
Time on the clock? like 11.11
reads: 1.27
